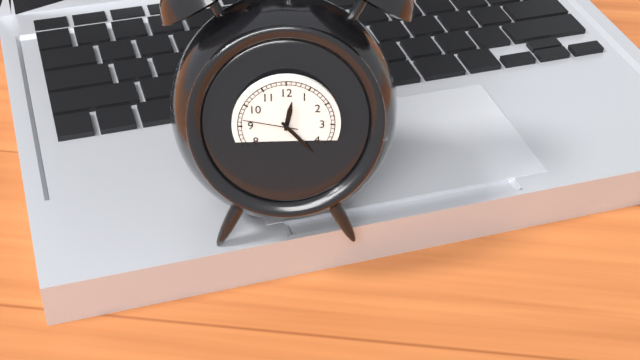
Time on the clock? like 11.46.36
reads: 12.23.47
